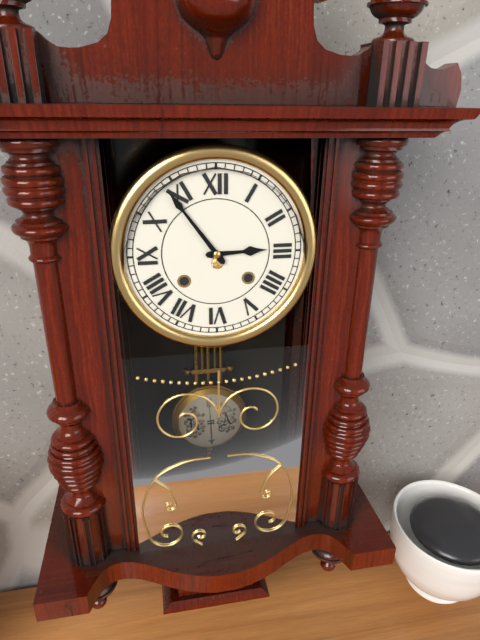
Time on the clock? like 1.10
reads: 2.54
